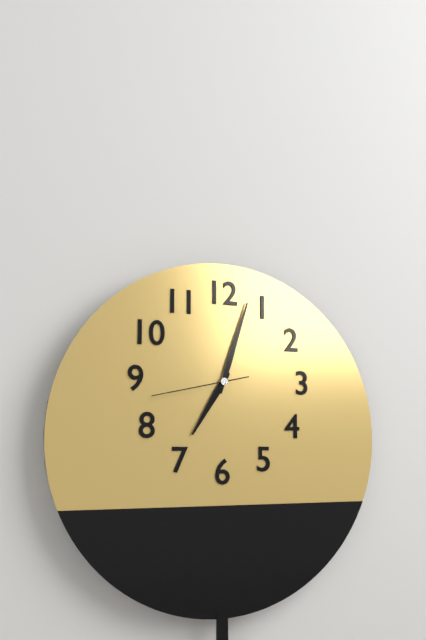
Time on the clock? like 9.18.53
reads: 7.03.43
